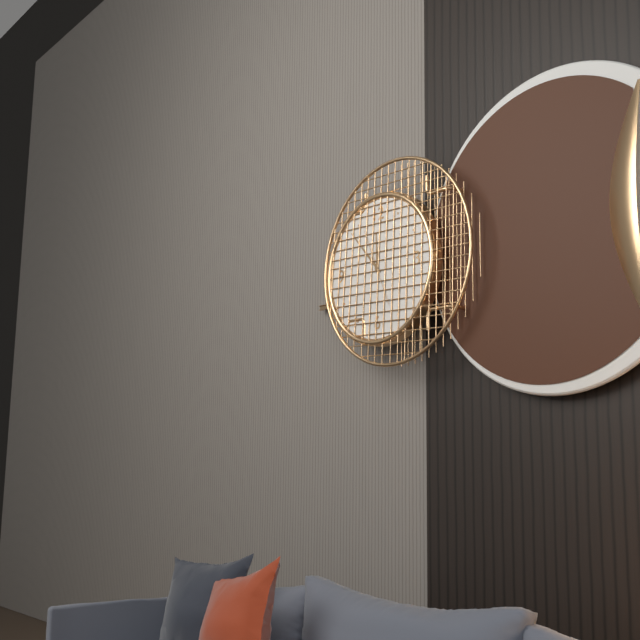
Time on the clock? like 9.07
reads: 11.53
